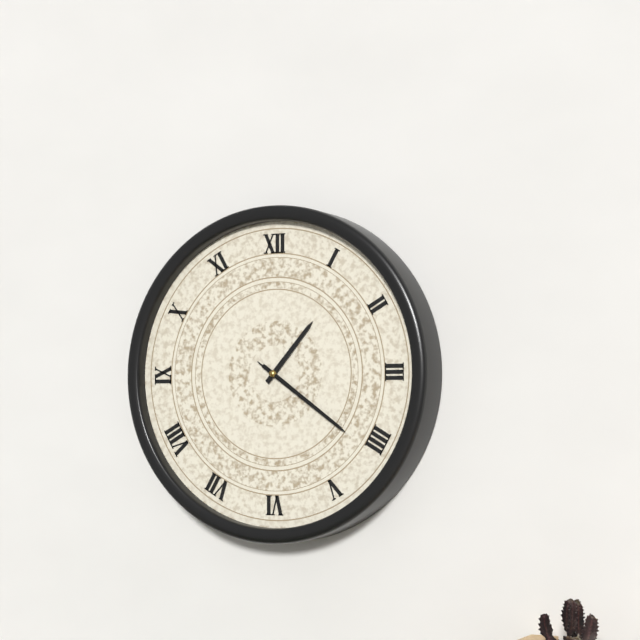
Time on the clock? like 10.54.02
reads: 1.21.21
